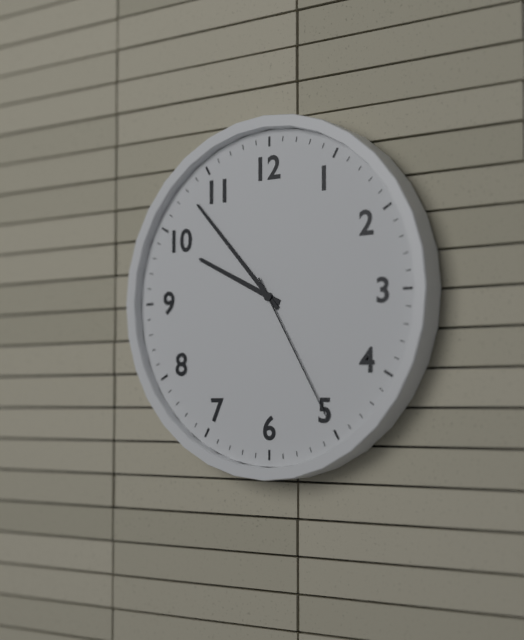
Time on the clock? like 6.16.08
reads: 9.53.25
